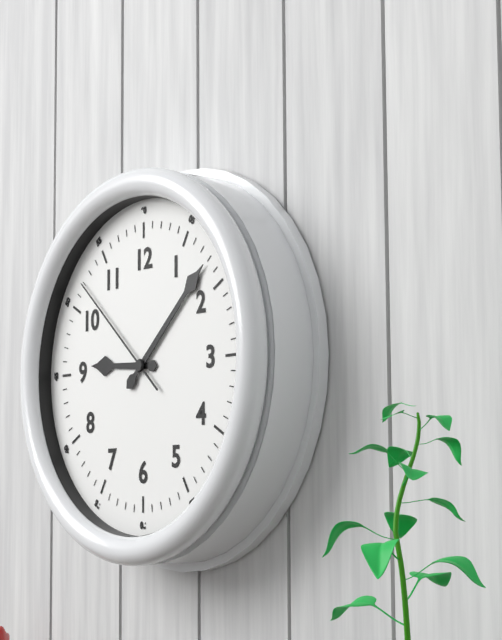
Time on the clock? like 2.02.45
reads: 9.08.52
